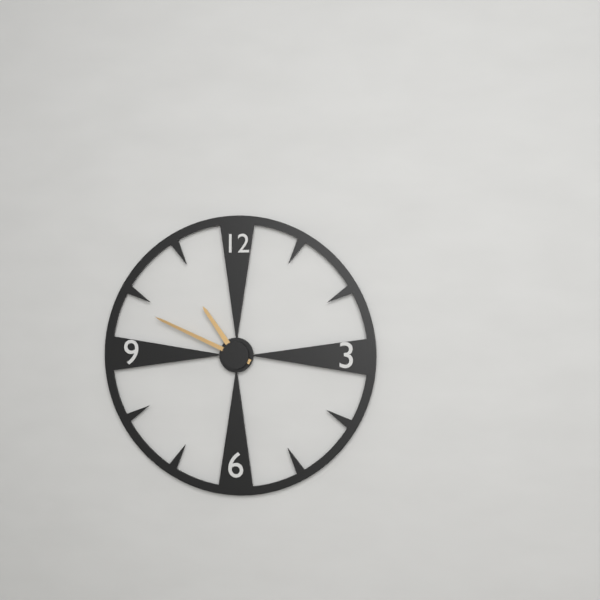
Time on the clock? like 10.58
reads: 10.49
